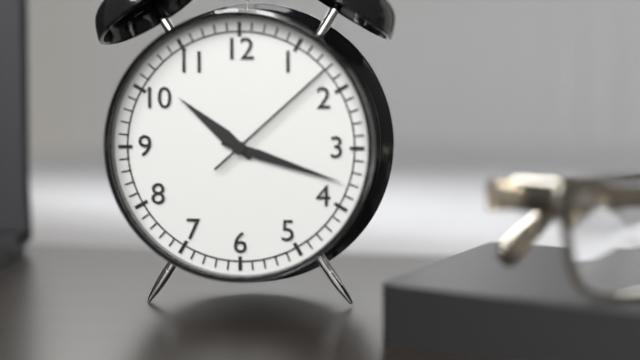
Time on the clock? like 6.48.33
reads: 10.18.08
